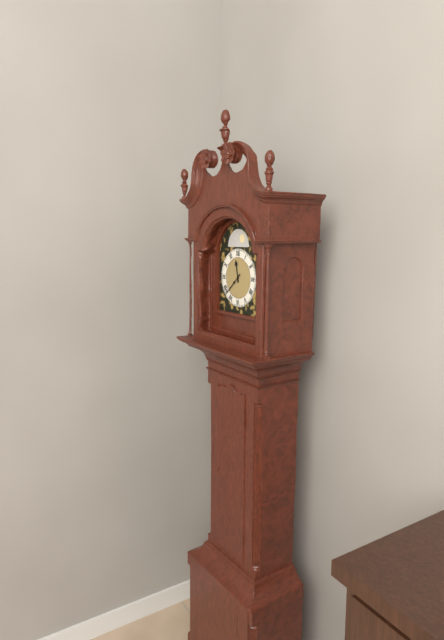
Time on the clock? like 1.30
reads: 11.38
